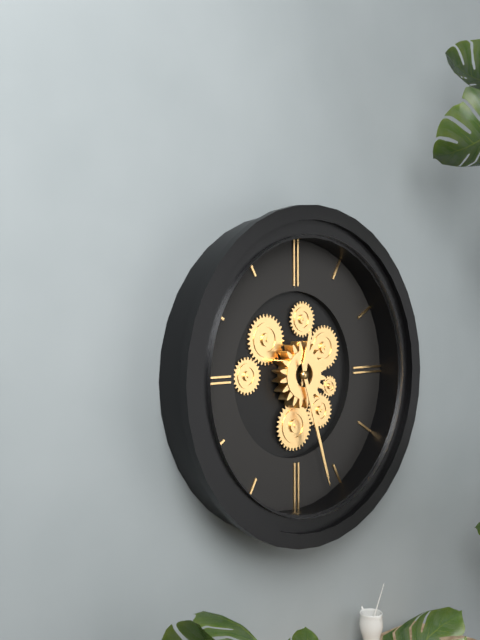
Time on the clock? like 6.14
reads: 12.27
